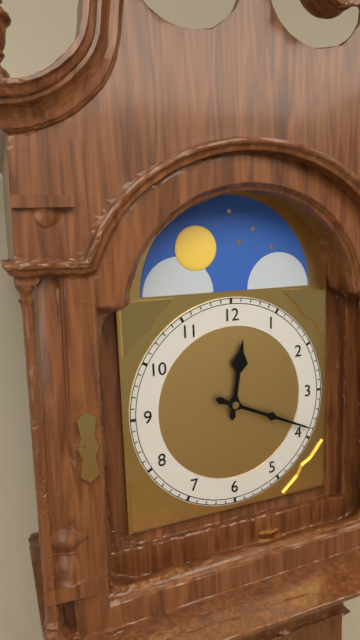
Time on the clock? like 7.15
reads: 12.19
